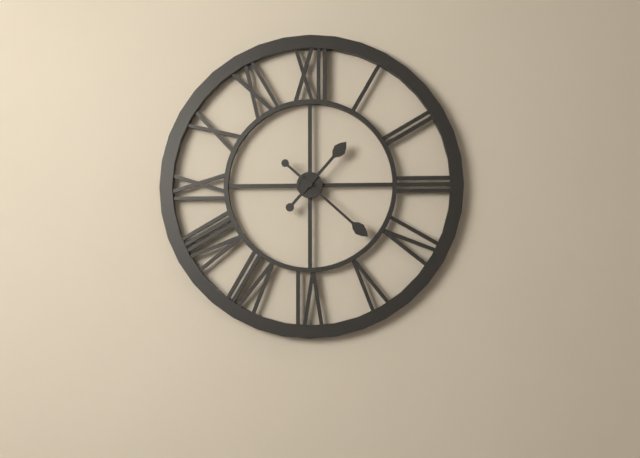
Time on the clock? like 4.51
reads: 1.22
